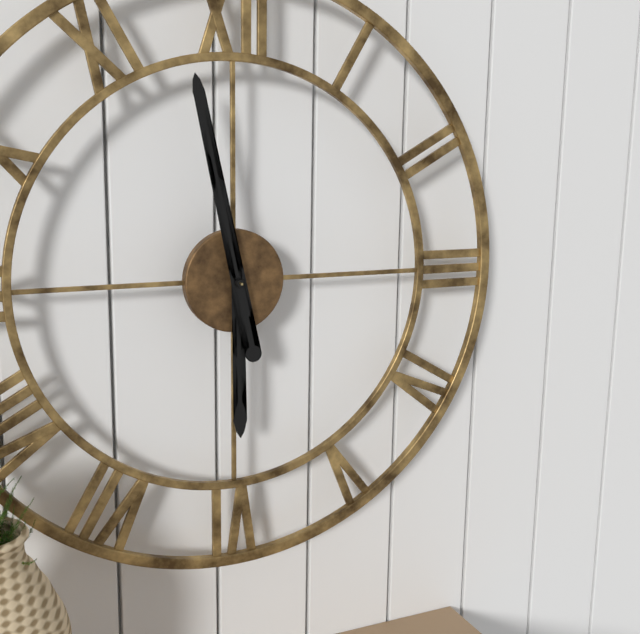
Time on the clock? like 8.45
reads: 5.58
